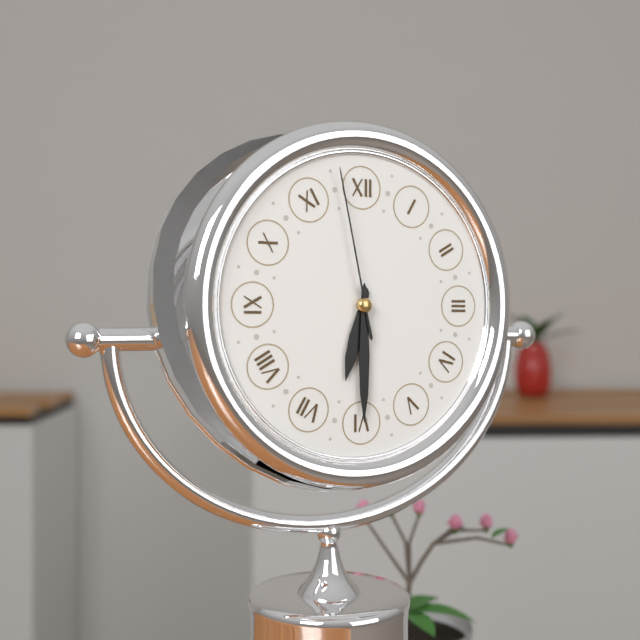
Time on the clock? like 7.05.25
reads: 6.30.58
